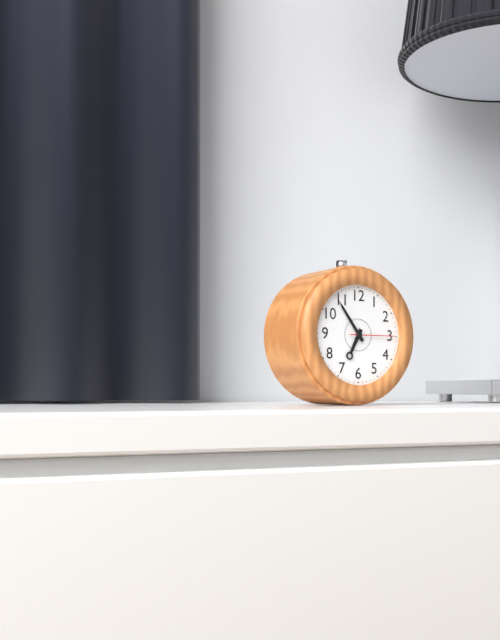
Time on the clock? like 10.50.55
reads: 6.54.15
